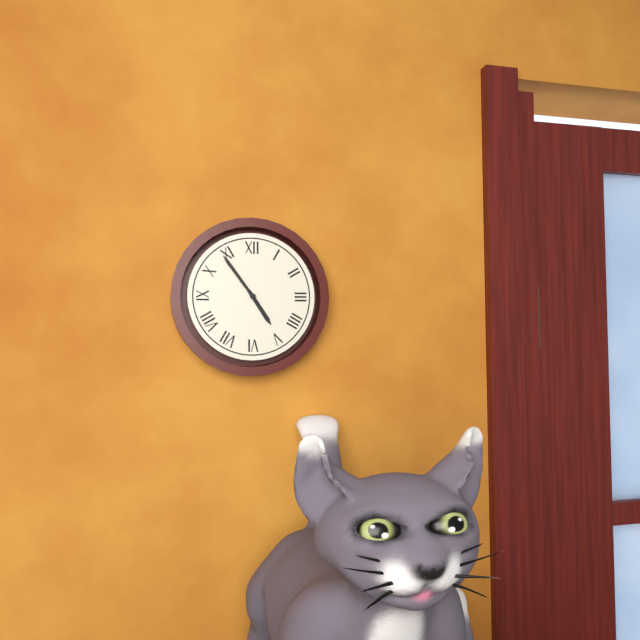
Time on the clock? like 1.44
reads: 4.54
